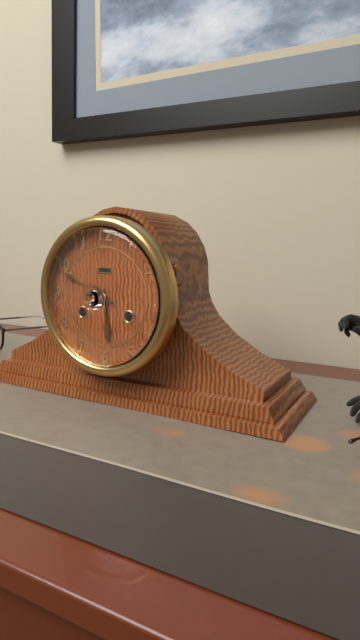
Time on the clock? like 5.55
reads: 5.49
